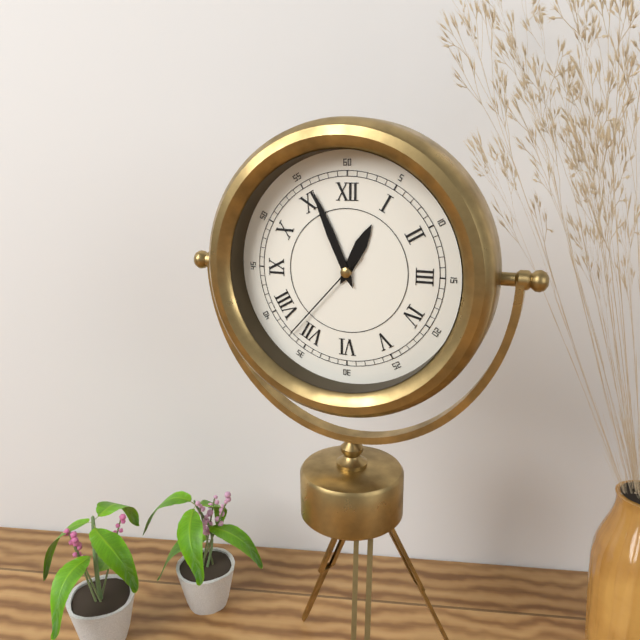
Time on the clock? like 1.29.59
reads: 12.56.37
